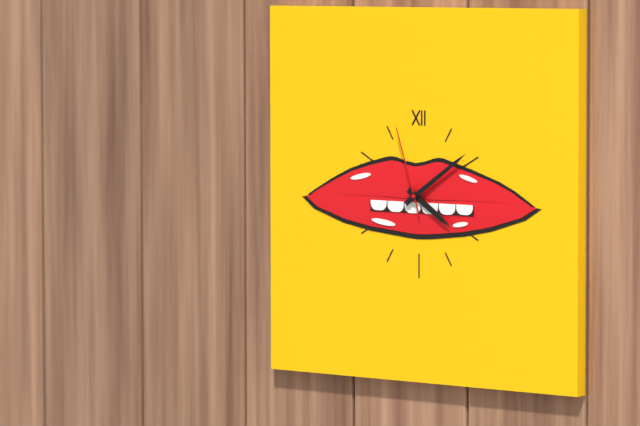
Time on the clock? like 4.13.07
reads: 4.09.57
